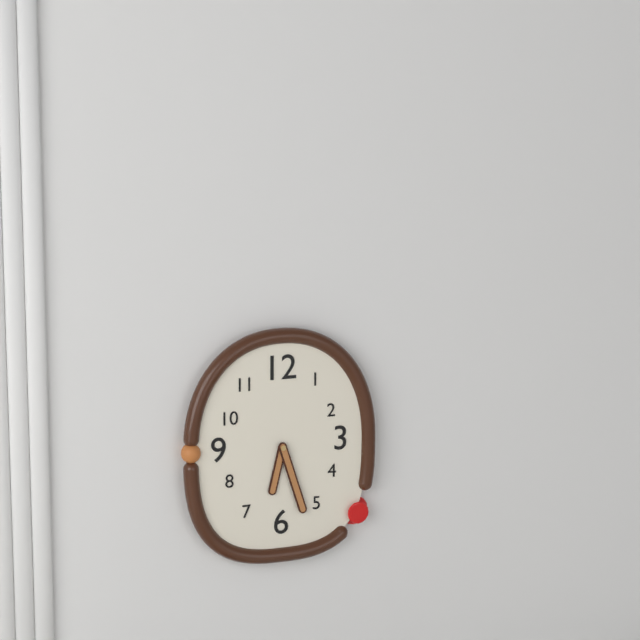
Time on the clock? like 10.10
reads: 6.27
